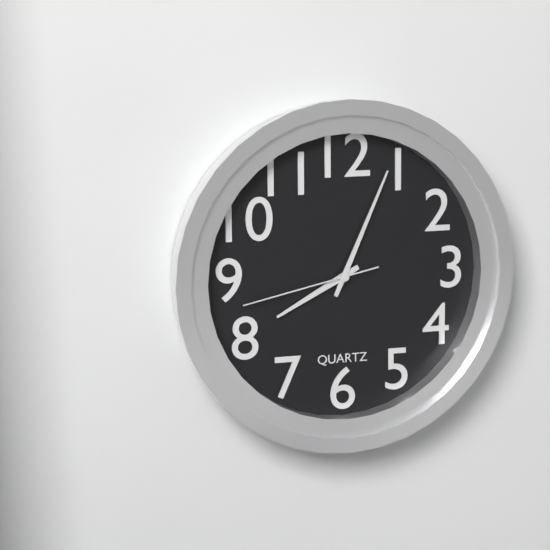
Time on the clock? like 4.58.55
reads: 8.04.43
